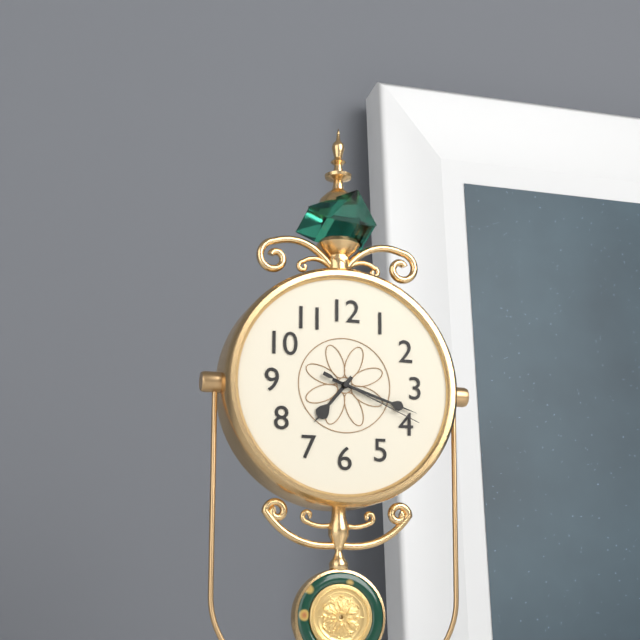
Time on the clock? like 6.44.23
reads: 7.18.19
